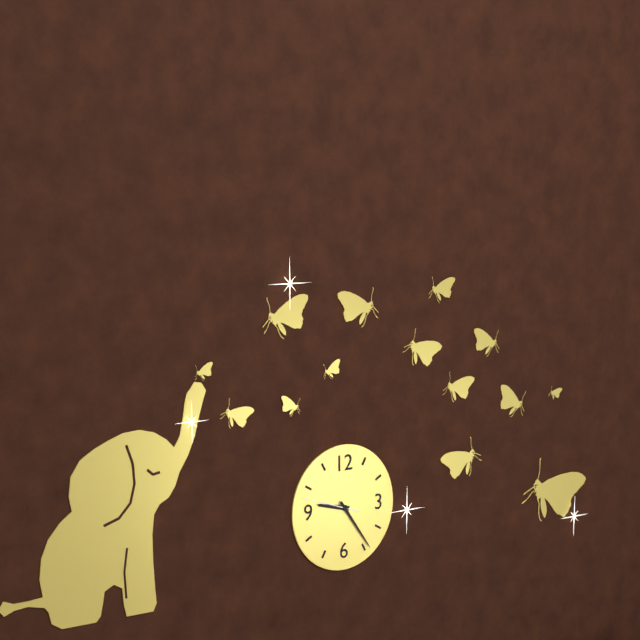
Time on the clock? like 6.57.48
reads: 9.24.48
